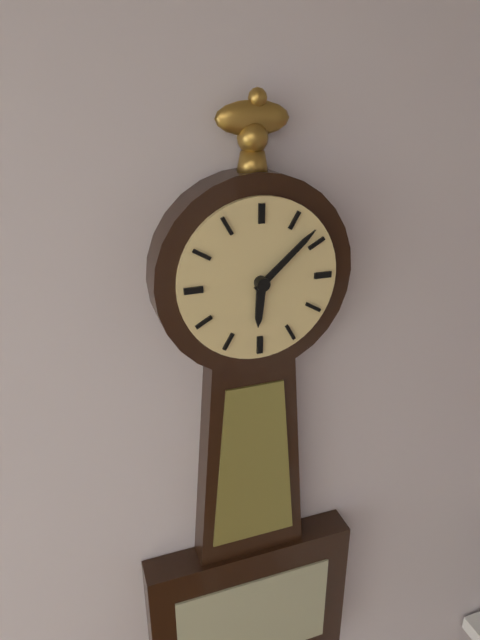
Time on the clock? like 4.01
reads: 6.08
